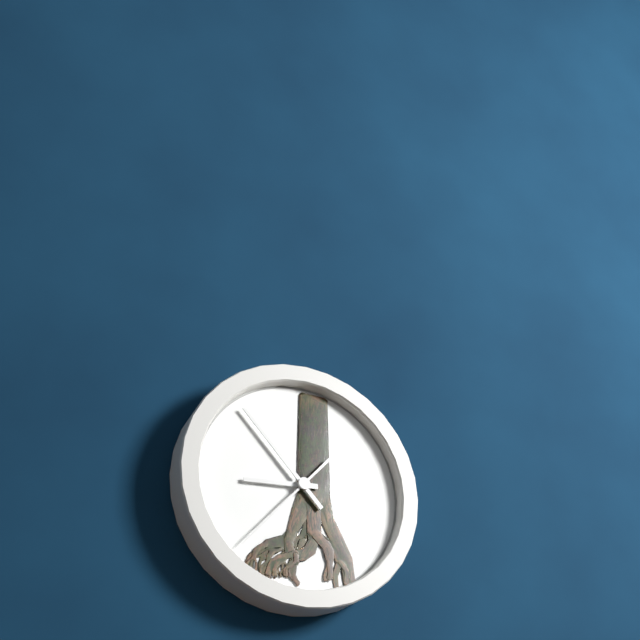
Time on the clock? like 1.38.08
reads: 8.53.37
